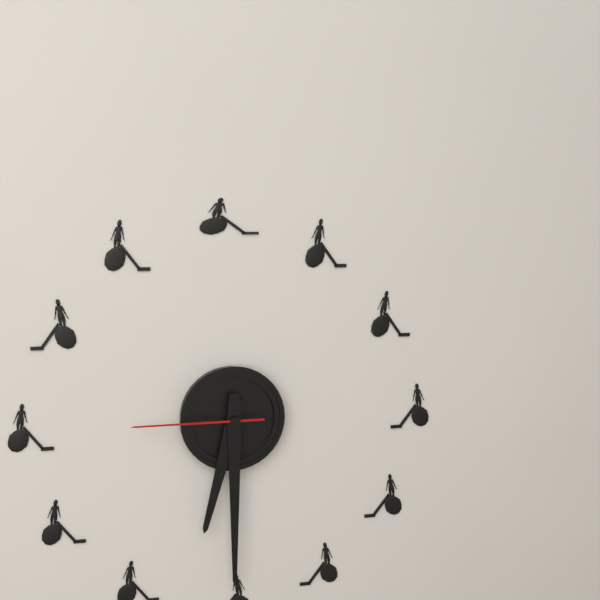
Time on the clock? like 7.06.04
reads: 6.30.45
